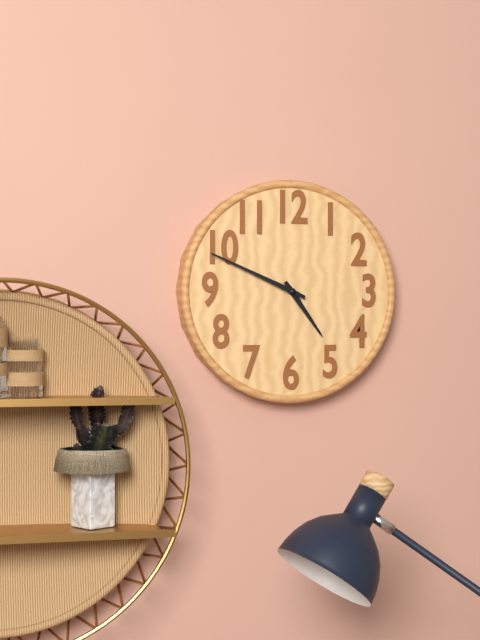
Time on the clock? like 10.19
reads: 4.49
